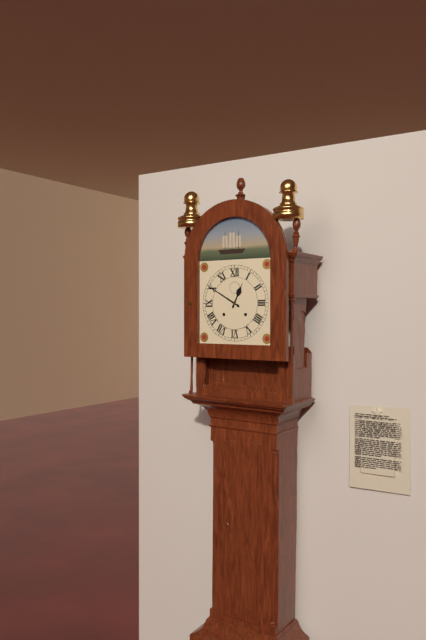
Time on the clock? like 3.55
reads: 12.50
